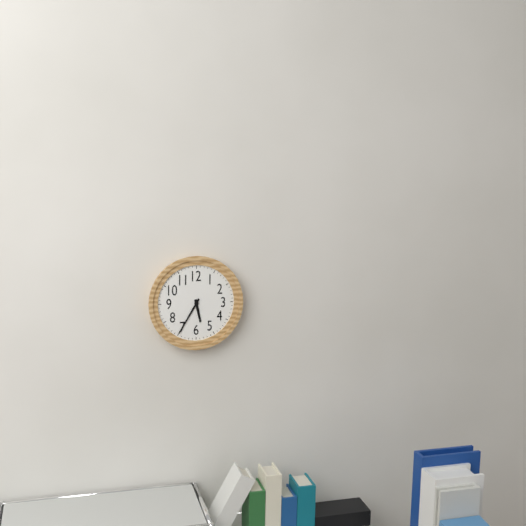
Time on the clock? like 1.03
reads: 5.35
